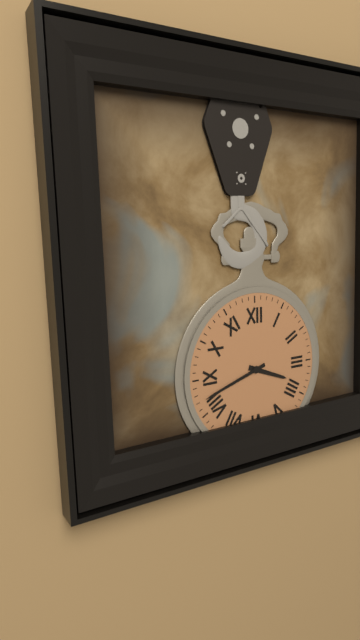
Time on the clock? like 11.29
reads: 3.42
